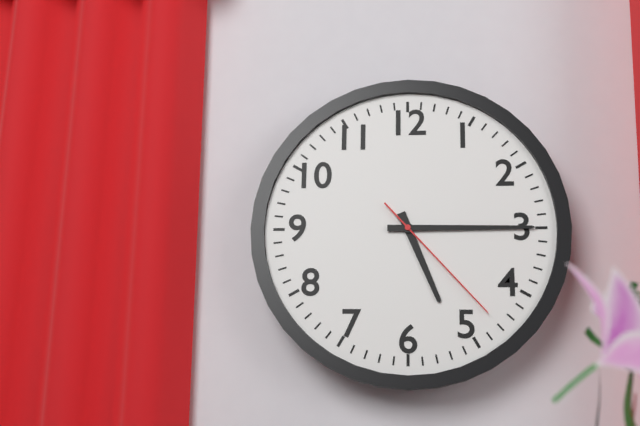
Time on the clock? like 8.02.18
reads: 5.15.23
